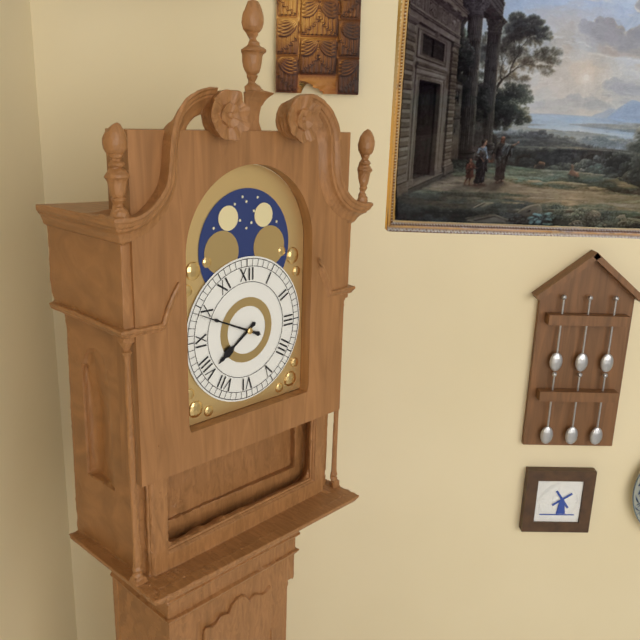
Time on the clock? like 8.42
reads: 7.49
